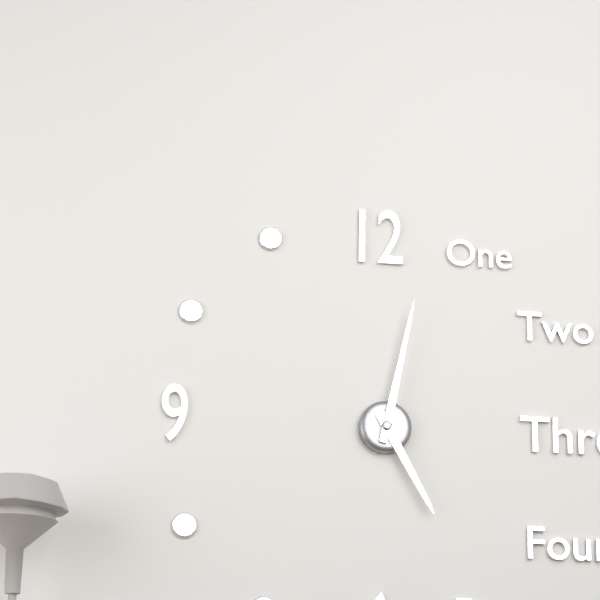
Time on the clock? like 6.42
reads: 5.02
